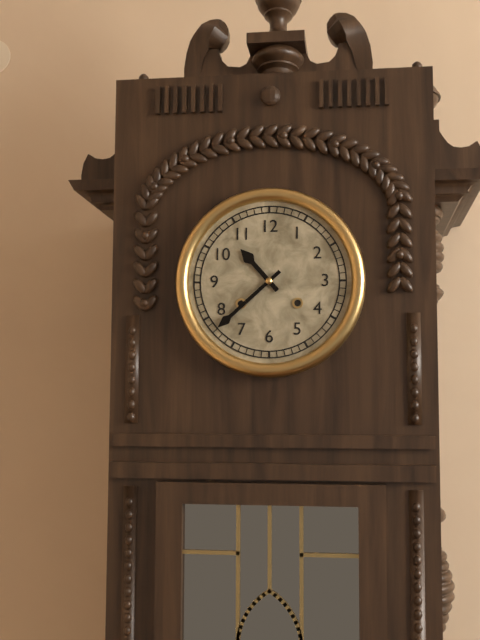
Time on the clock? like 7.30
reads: 10.38
